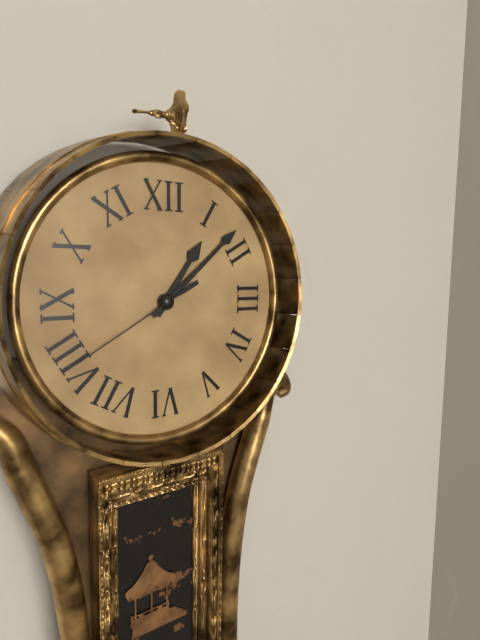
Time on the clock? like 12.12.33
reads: 1.08.40
